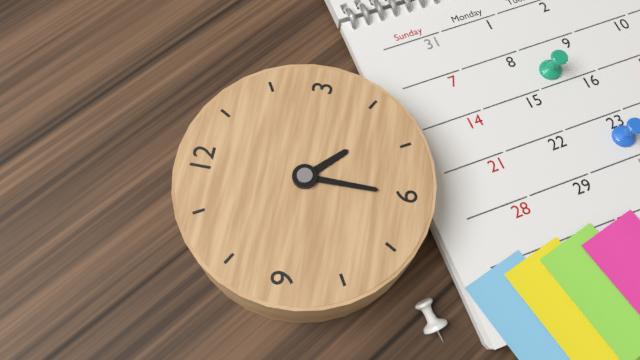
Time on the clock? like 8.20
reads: 4.30
